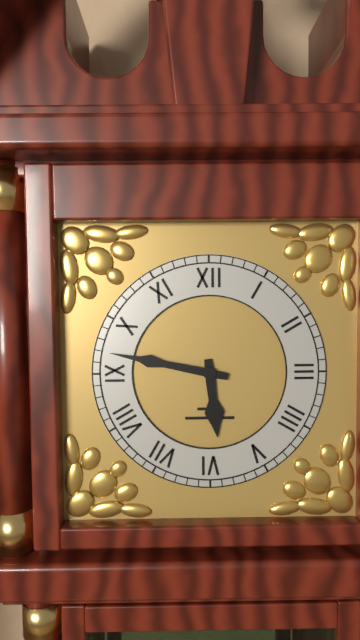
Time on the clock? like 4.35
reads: 5.47
